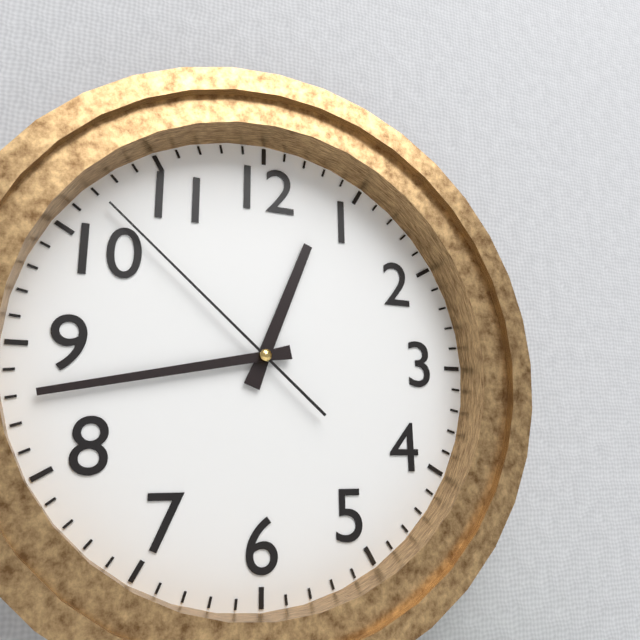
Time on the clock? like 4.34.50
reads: 12.43.52
